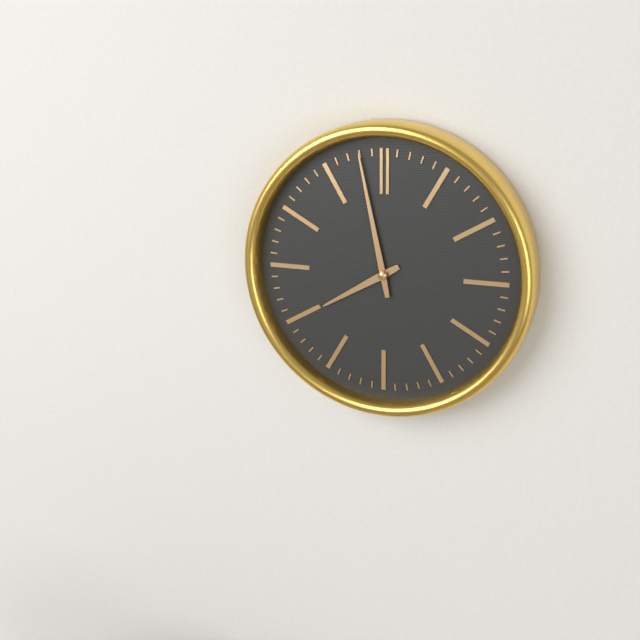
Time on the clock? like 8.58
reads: 7.58
